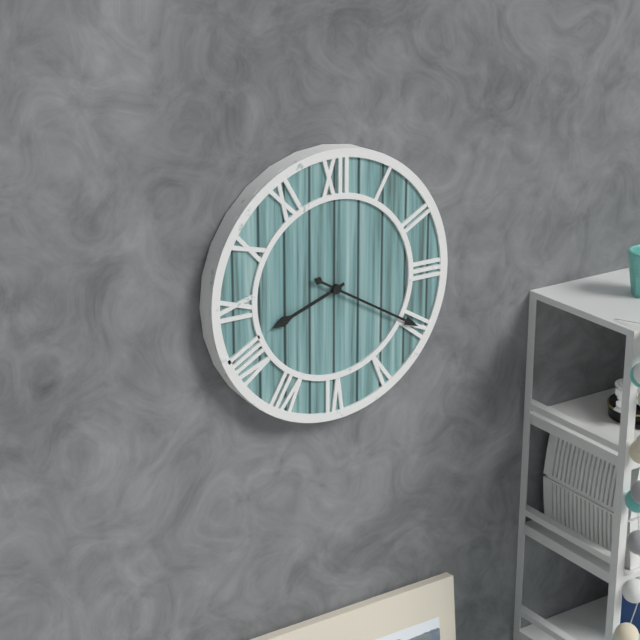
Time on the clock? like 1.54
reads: 8.20
